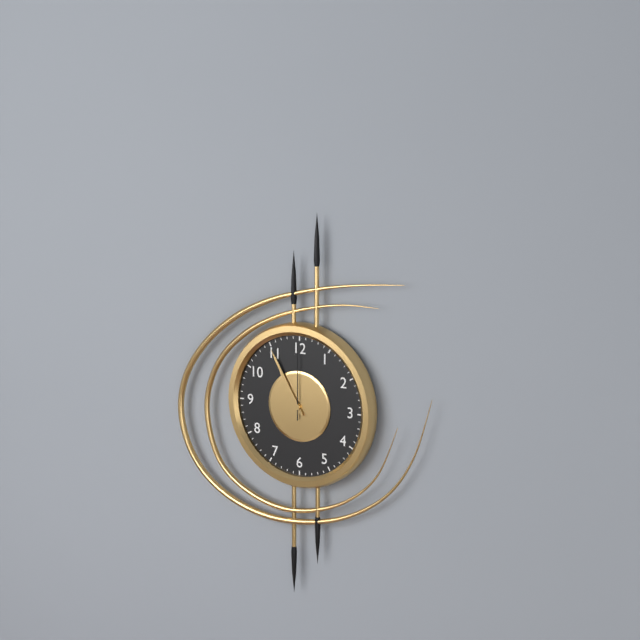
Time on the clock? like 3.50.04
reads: 10.55.00
